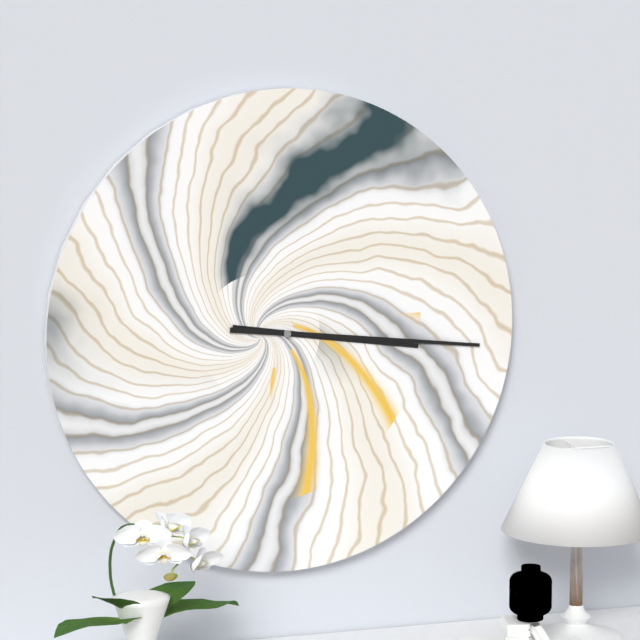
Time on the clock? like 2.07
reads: 3.16
